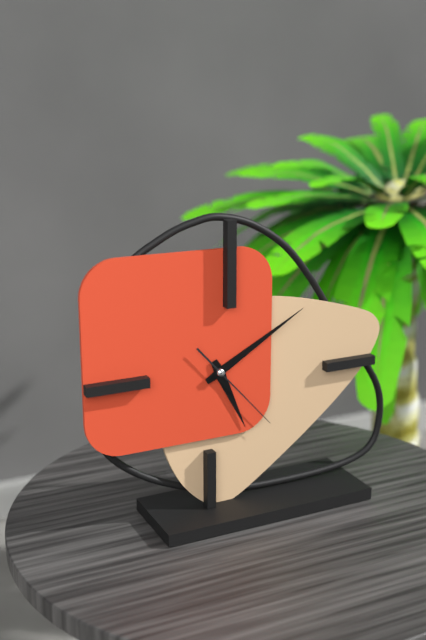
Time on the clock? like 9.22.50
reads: 5.10.23
